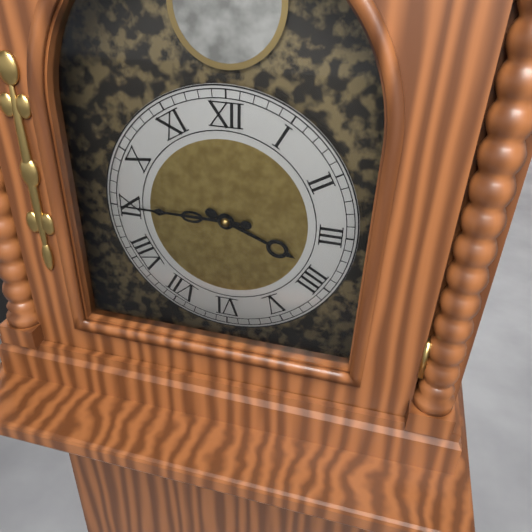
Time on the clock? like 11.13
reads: 3.45
